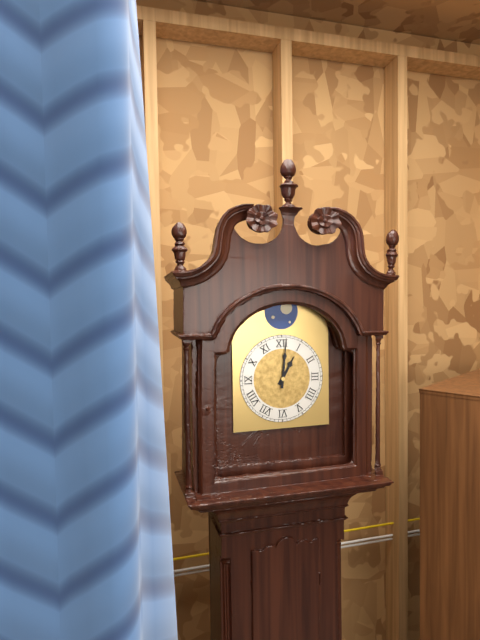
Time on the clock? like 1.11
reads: 1.01
